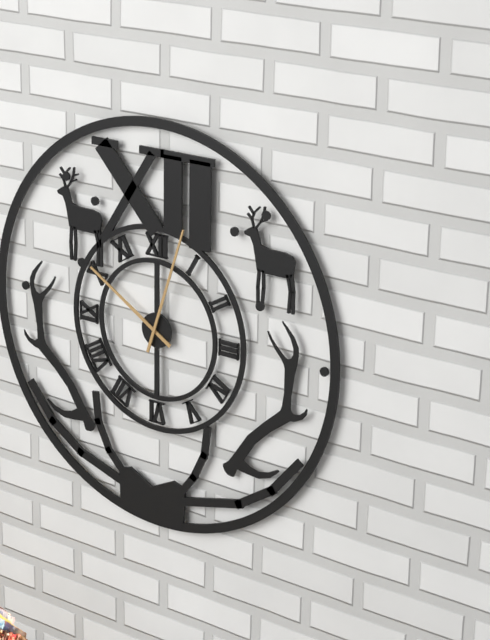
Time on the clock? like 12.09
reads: 10.03
